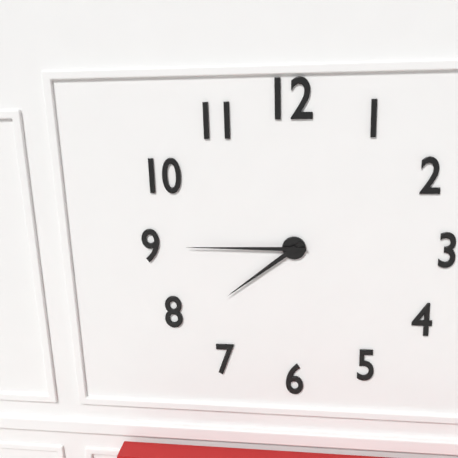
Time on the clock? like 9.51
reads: 7.45
